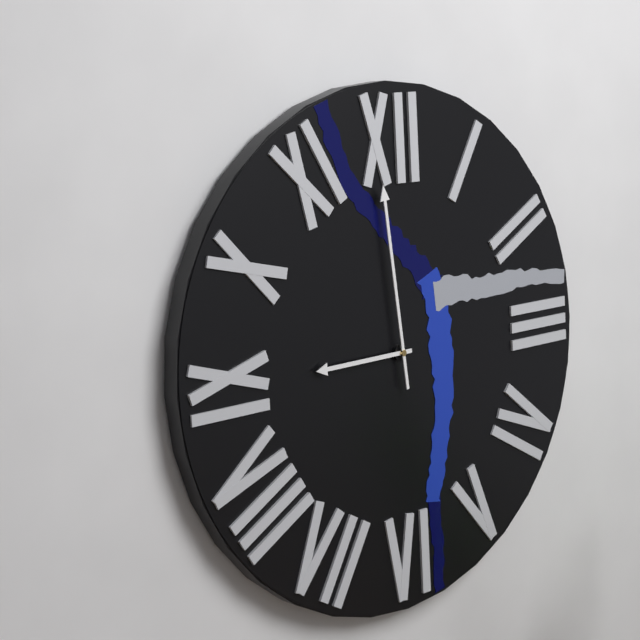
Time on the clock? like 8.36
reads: 8.59
